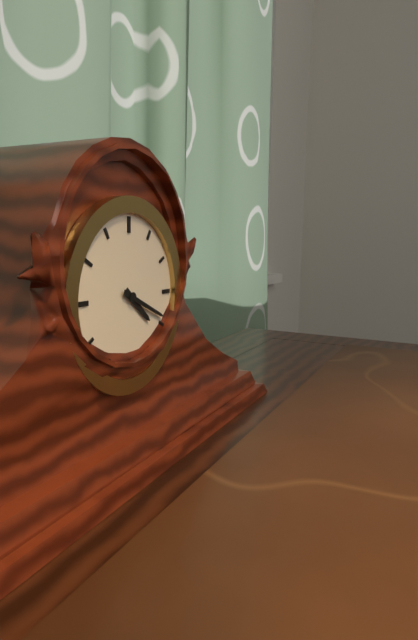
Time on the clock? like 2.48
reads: 4.19
